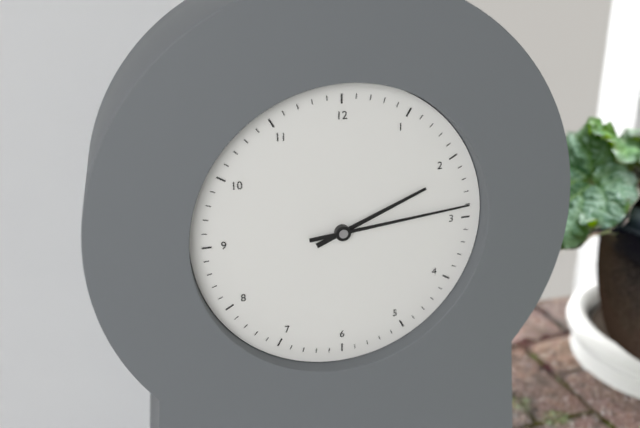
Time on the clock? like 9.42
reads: 2.14
